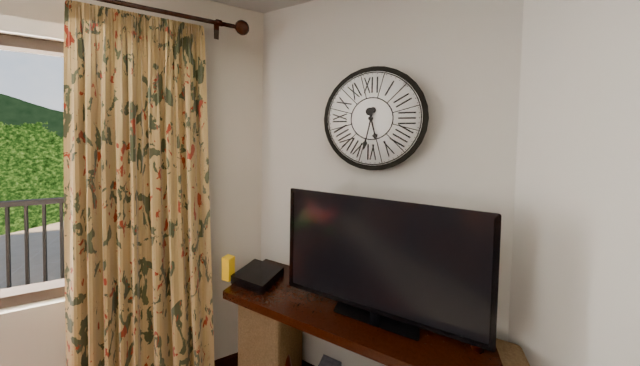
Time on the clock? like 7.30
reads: 5.32
